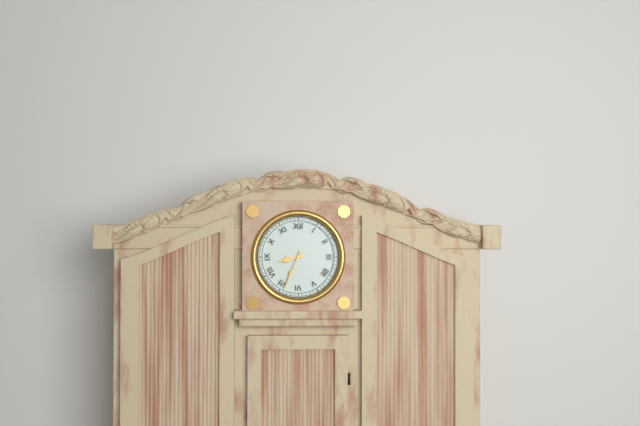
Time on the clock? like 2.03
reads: 8.34
